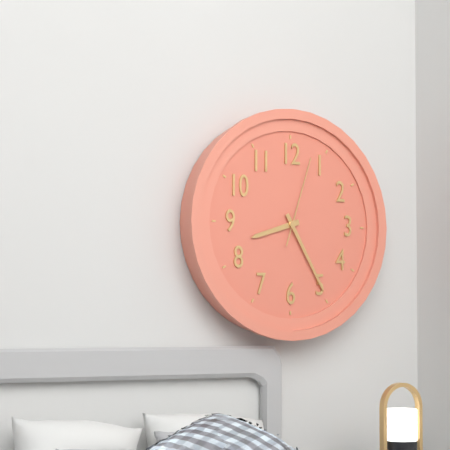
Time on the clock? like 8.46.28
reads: 8.25.03
